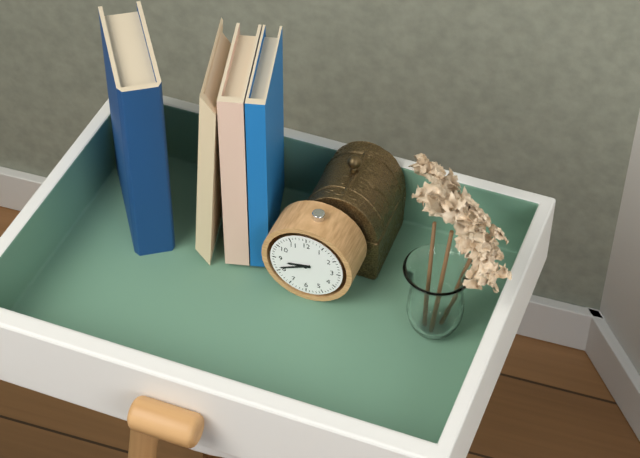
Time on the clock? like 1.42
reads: 8.41
